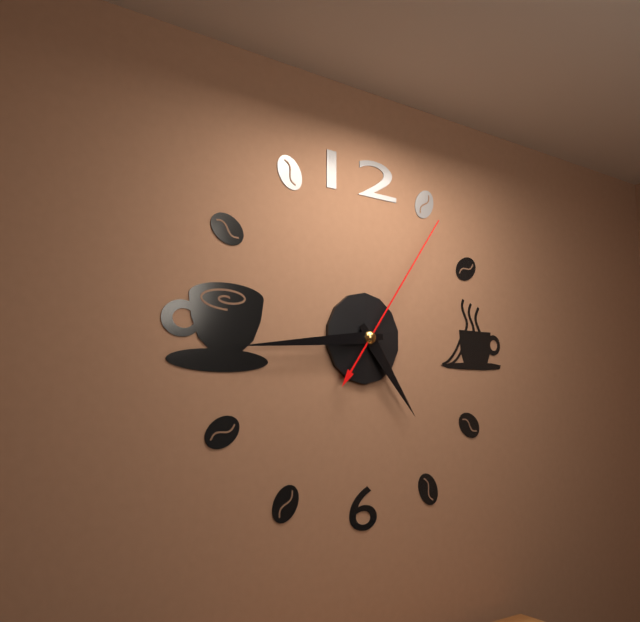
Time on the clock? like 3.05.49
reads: 4.44.06
